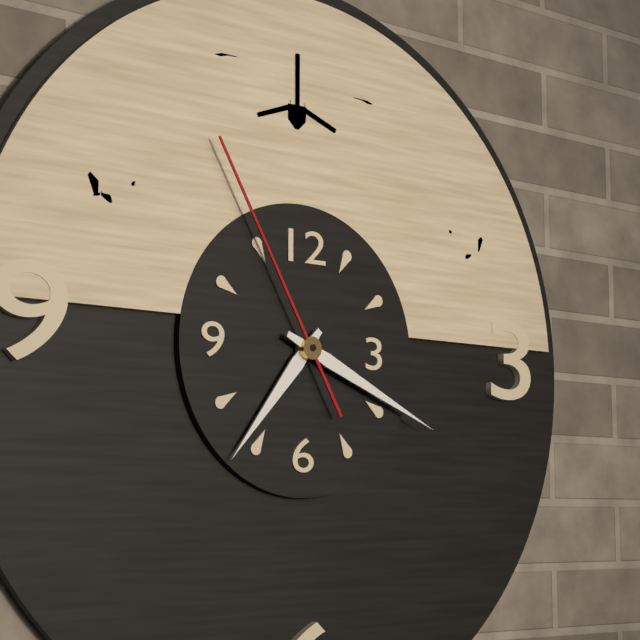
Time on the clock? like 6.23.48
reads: 7.19.55
